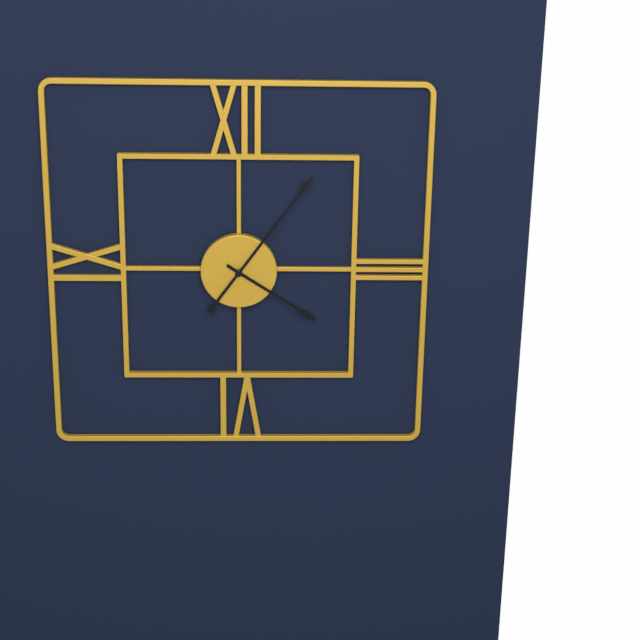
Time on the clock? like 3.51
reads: 4.06
